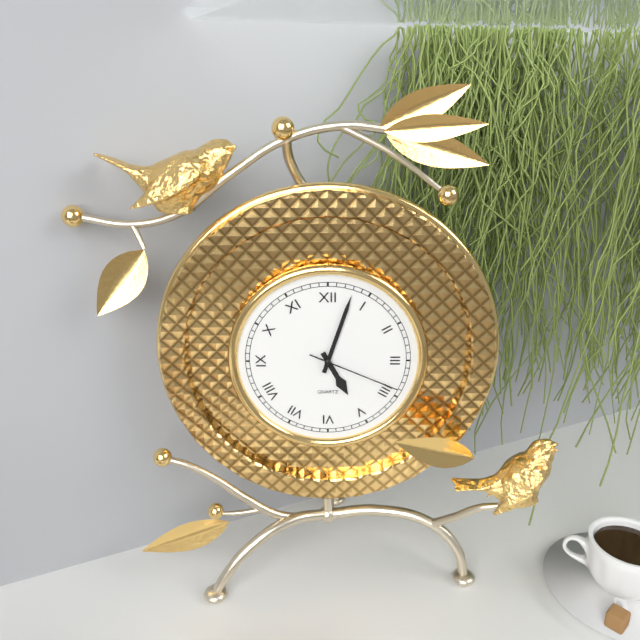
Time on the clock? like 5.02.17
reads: 5.03.19
